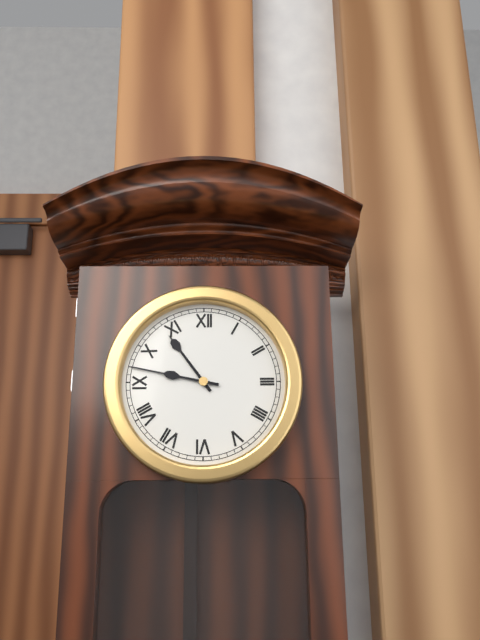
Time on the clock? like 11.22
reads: 10.47
